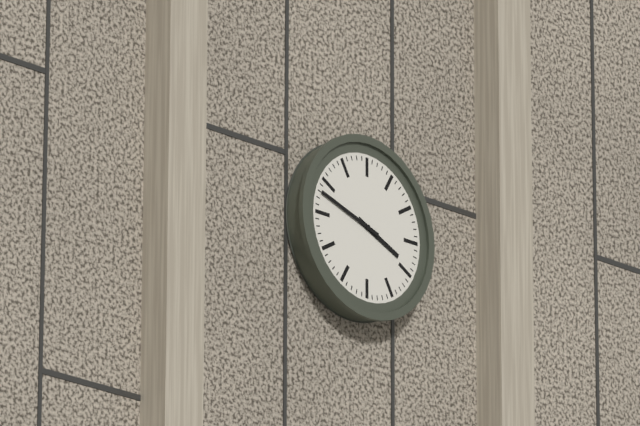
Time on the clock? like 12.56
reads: 3.48
